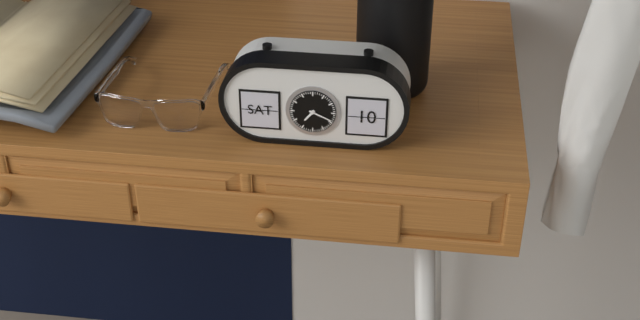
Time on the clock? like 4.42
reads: 7.19
